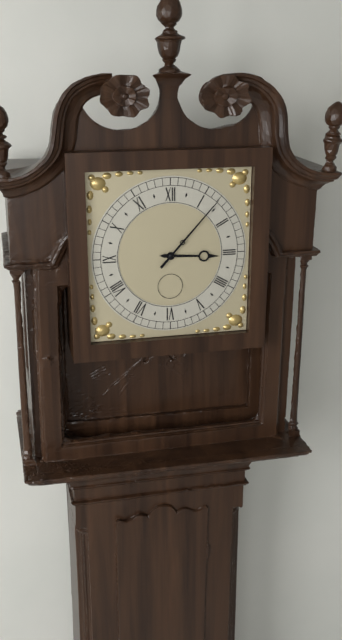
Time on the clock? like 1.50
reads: 3.07
